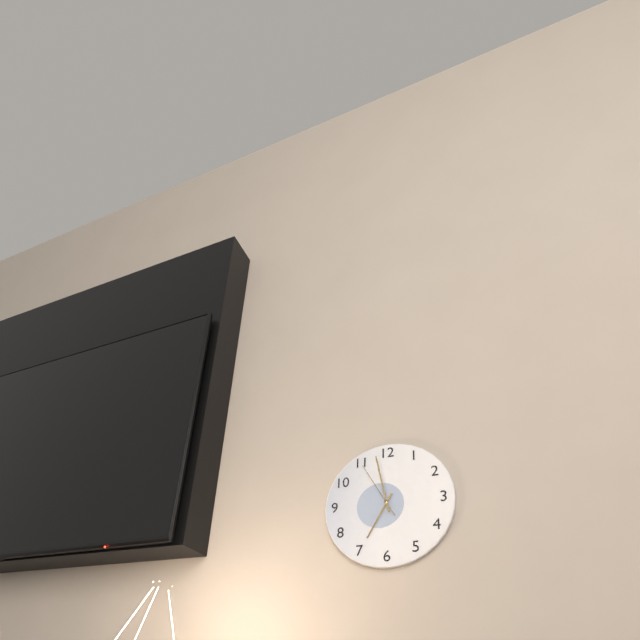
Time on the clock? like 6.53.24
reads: 6.58.55
